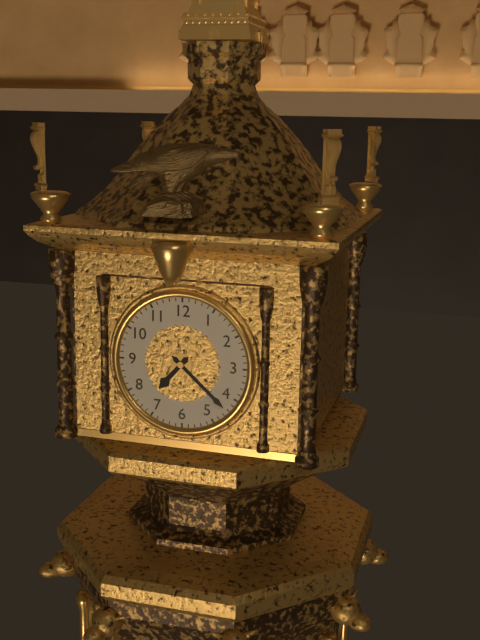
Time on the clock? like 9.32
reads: 7.22
